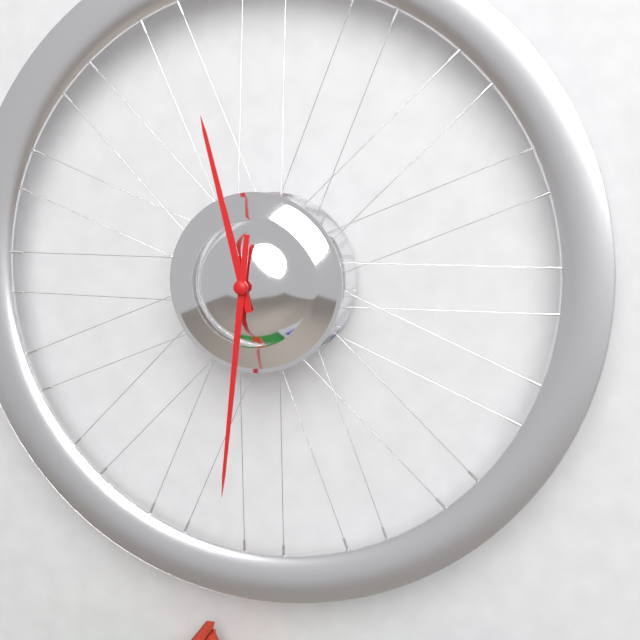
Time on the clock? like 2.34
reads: 11.31
